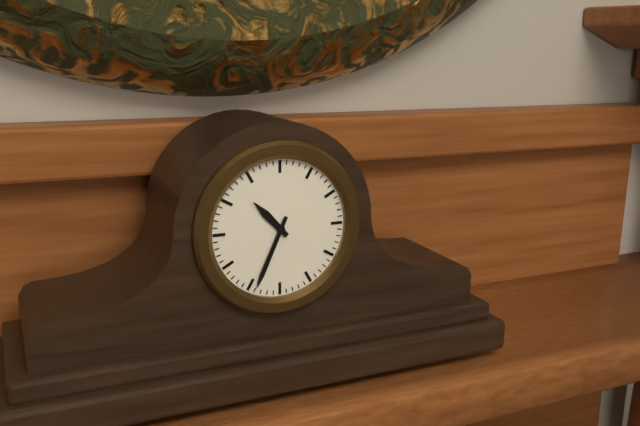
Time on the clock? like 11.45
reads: 10.34
